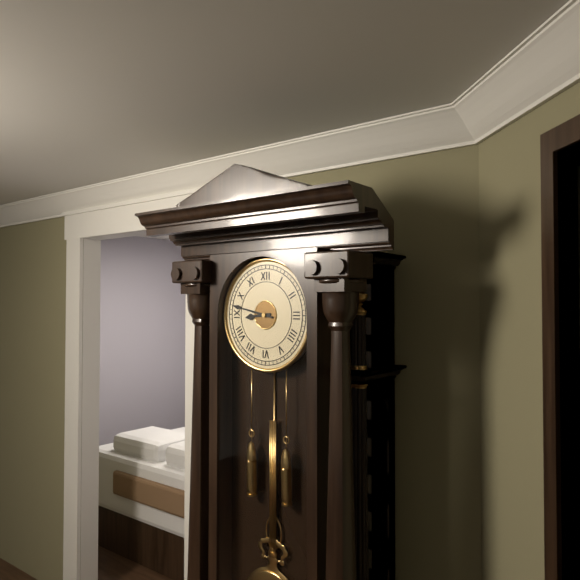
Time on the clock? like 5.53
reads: 8.47
